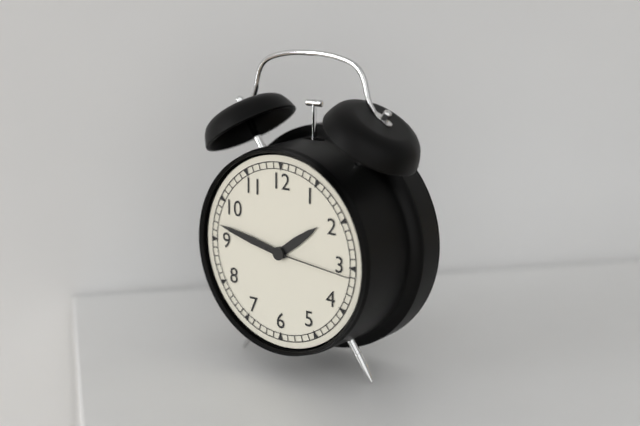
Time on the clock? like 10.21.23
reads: 1.47.16
